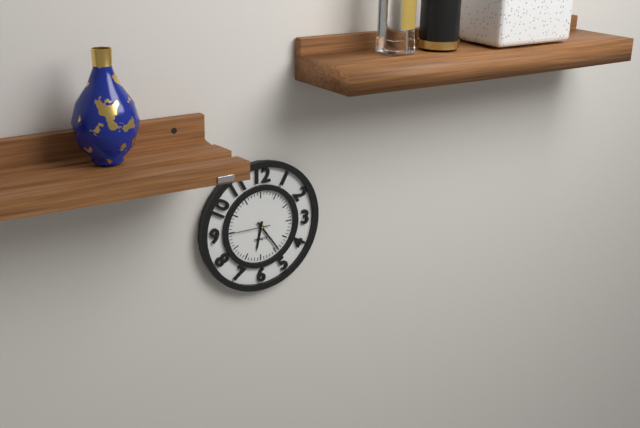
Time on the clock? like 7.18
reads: 6.24
